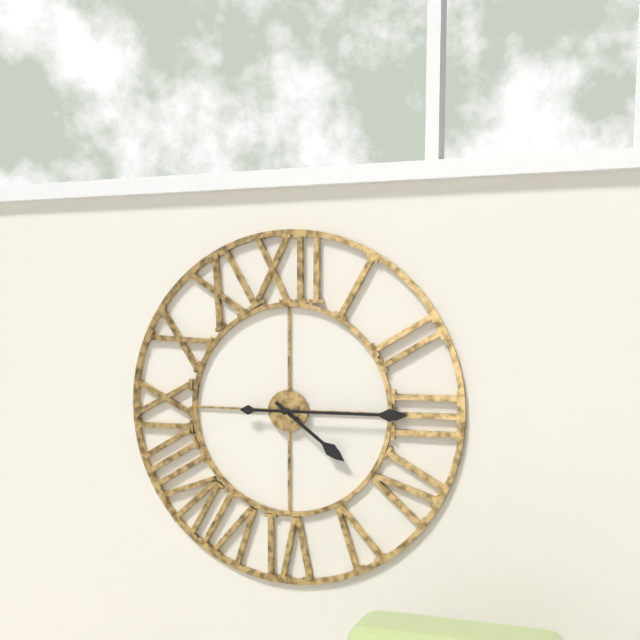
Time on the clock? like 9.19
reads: 4.15
